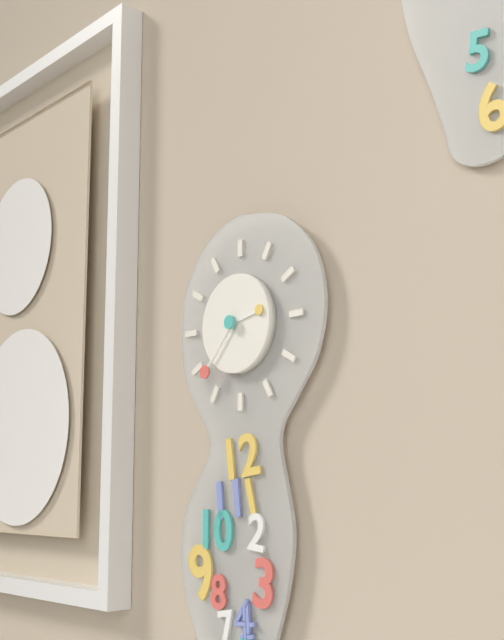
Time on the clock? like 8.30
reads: 2.37
